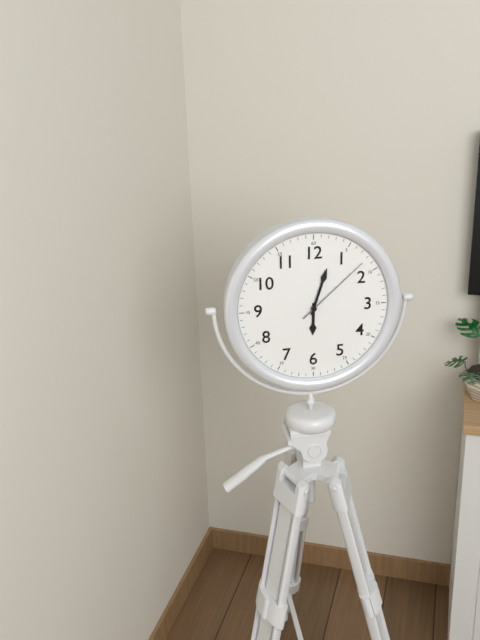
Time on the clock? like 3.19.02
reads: 6.03.08
